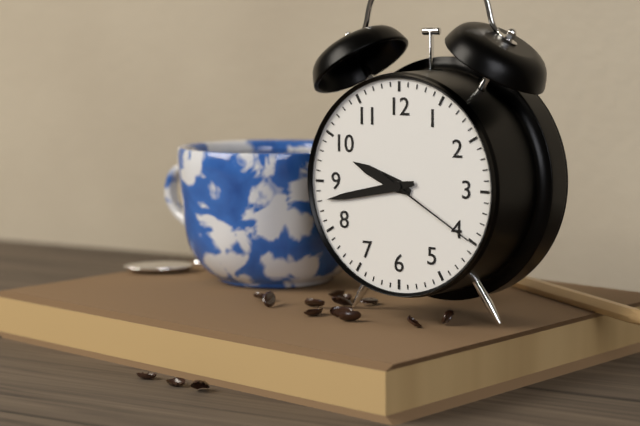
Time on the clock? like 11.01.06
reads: 9.43.20
